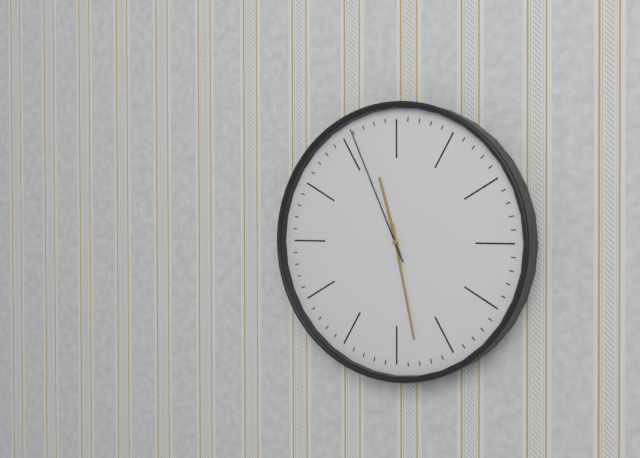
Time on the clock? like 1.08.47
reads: 11.28.56
